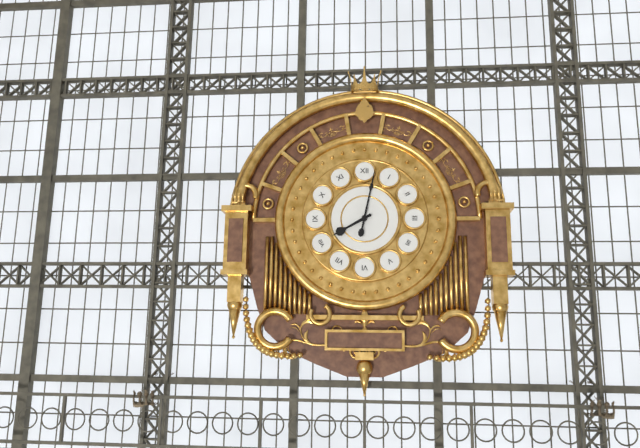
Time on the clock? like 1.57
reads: 8.02
